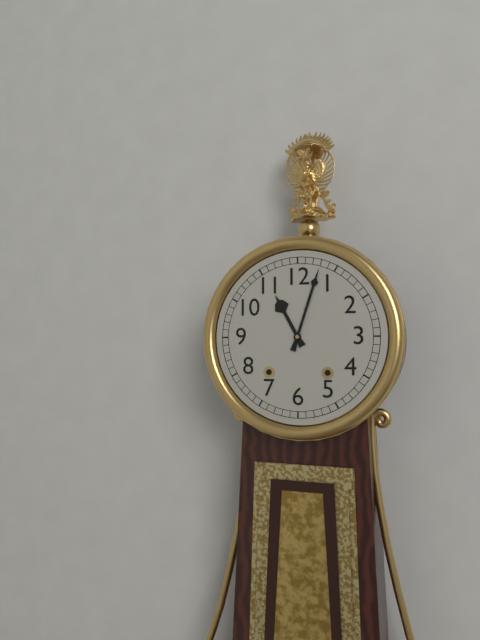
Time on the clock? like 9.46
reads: 11.03
